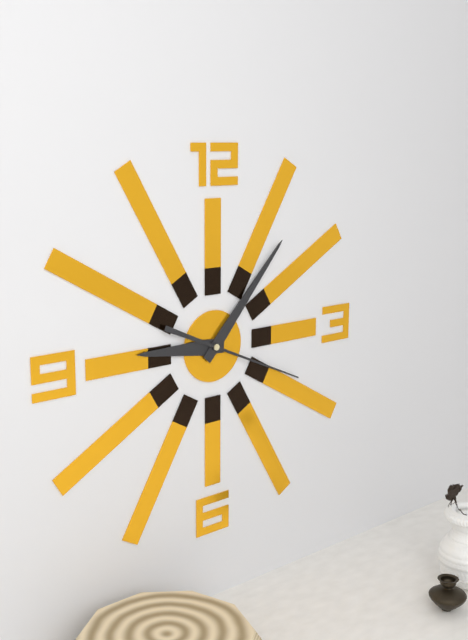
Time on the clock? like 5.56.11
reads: 9.07.19
